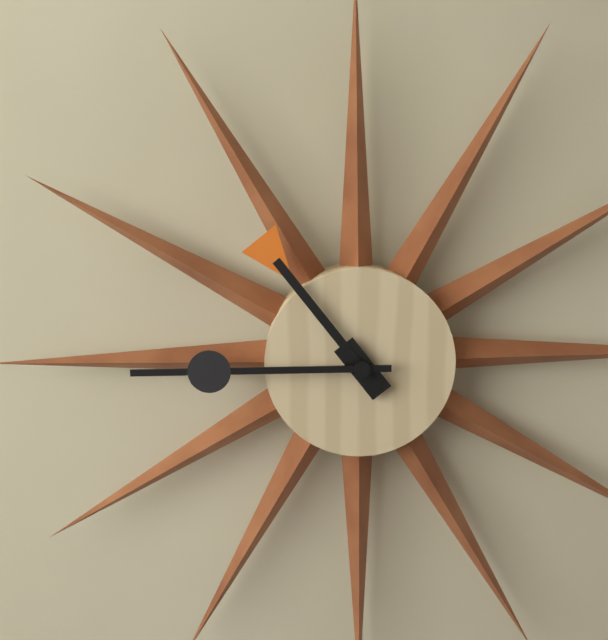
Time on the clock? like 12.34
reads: 10.45
